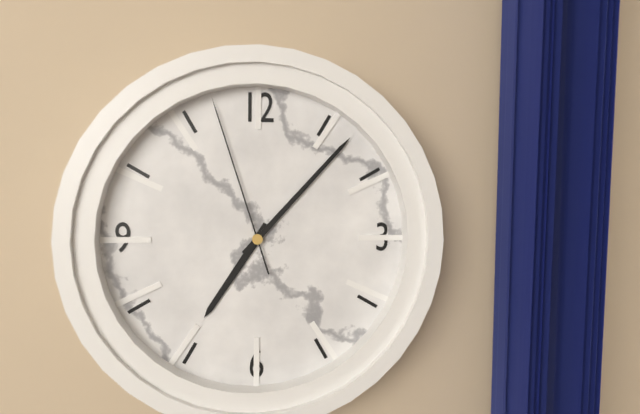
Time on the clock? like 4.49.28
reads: 7.07.57
